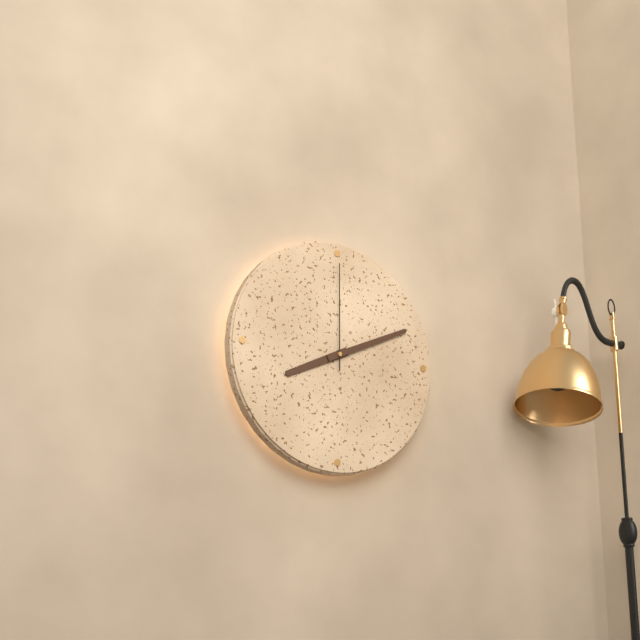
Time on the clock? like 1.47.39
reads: 8.11.00
